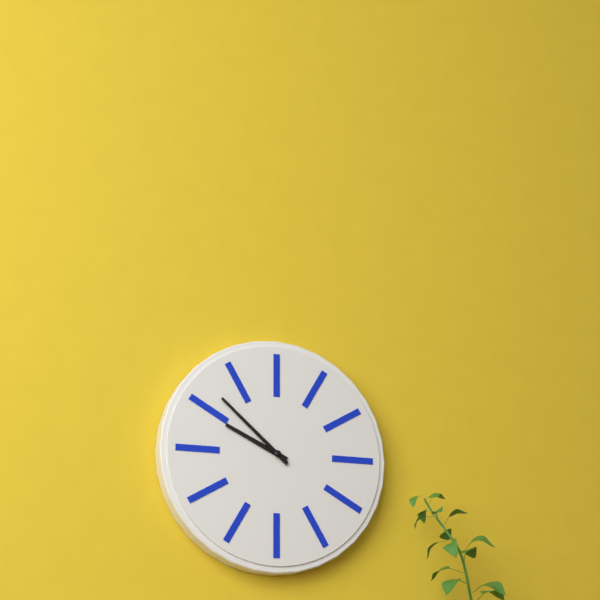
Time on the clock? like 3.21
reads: 9.52
